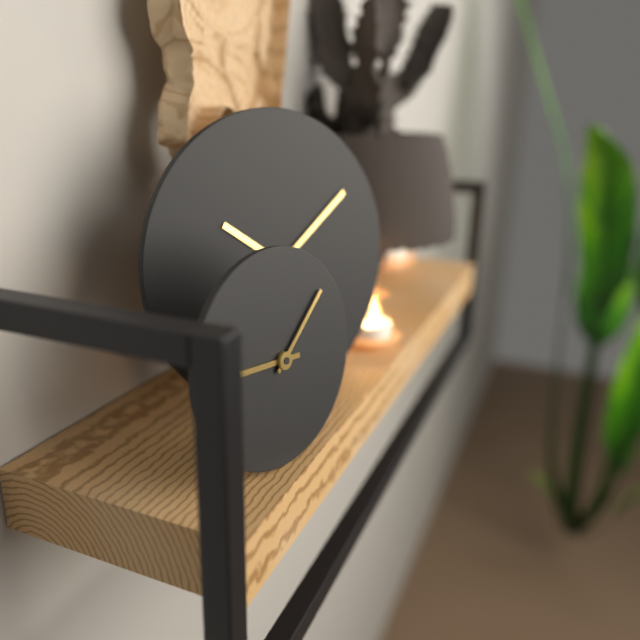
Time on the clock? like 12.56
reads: 9.08
